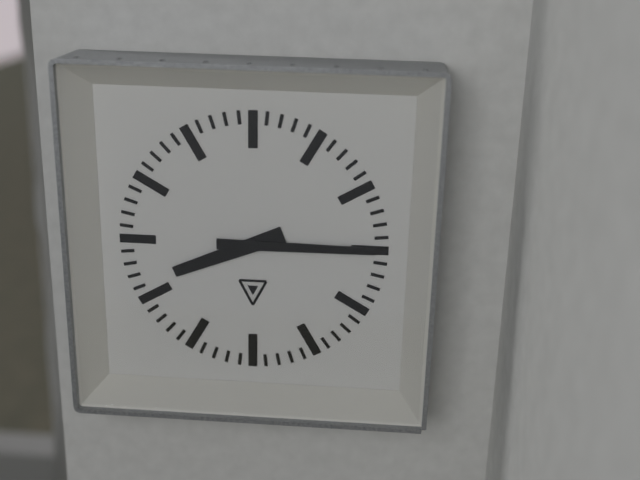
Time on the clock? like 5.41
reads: 8.15
